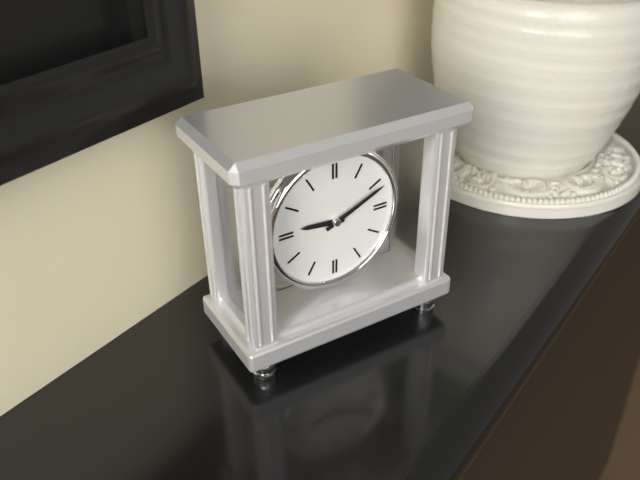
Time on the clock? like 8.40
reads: 9.11
